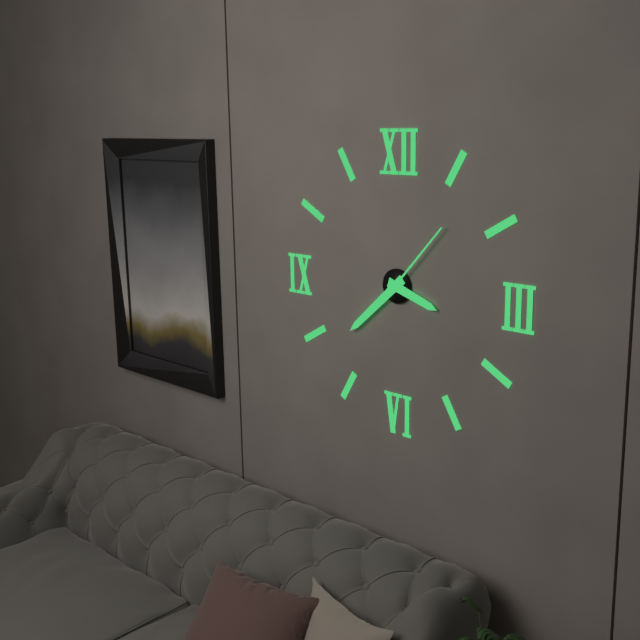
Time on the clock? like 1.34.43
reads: 3.38.07
